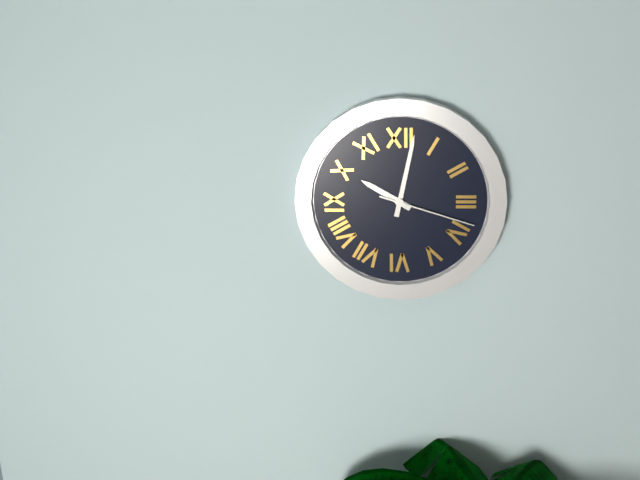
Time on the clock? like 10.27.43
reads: 10.02.18
